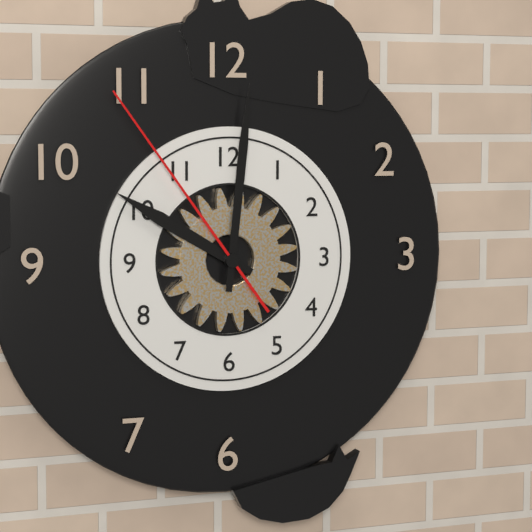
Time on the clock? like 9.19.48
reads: 10.01.54
